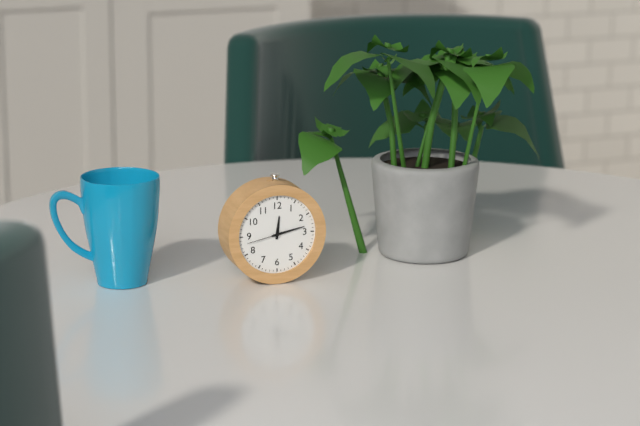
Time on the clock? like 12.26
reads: 12.13
